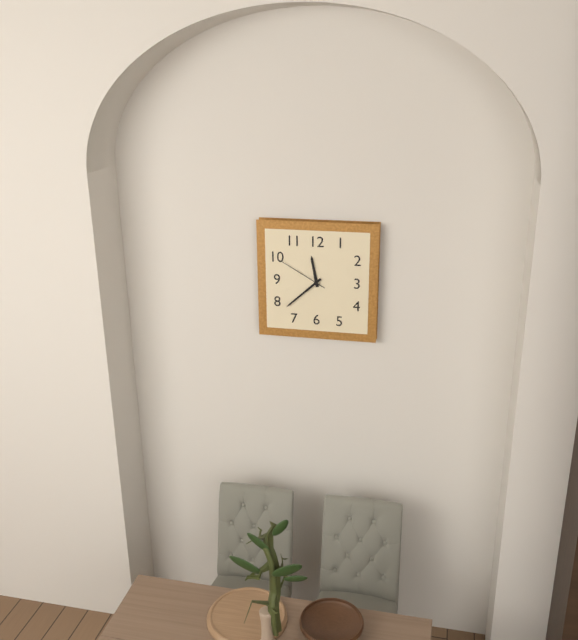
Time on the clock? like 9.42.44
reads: 11.38.50
